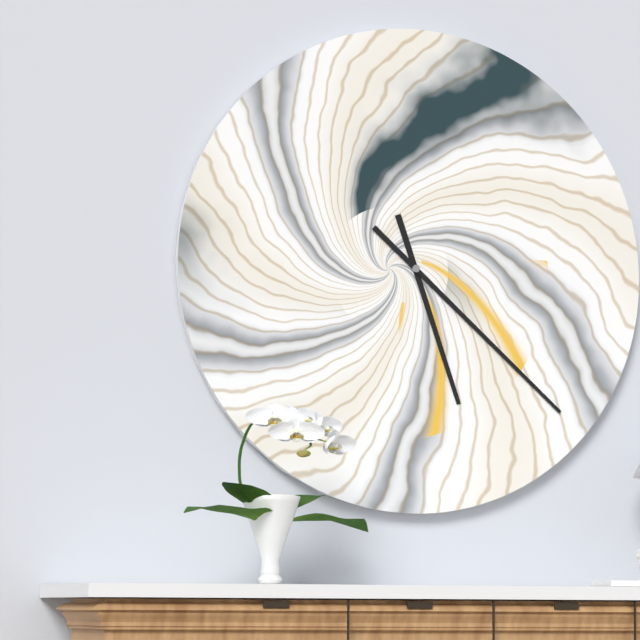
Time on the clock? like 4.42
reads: 5.22
